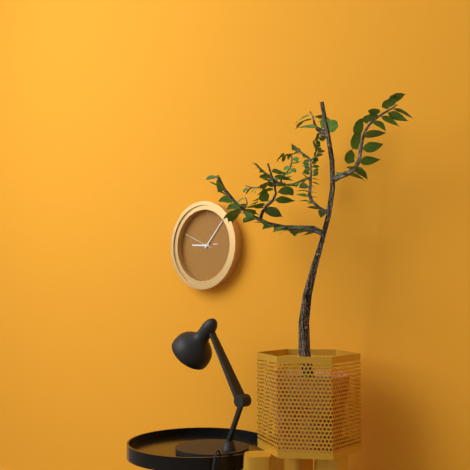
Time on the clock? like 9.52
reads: 9.07
